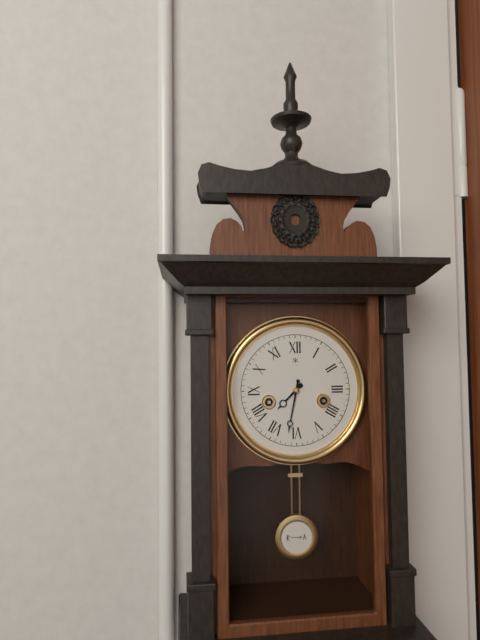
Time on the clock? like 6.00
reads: 7.32
